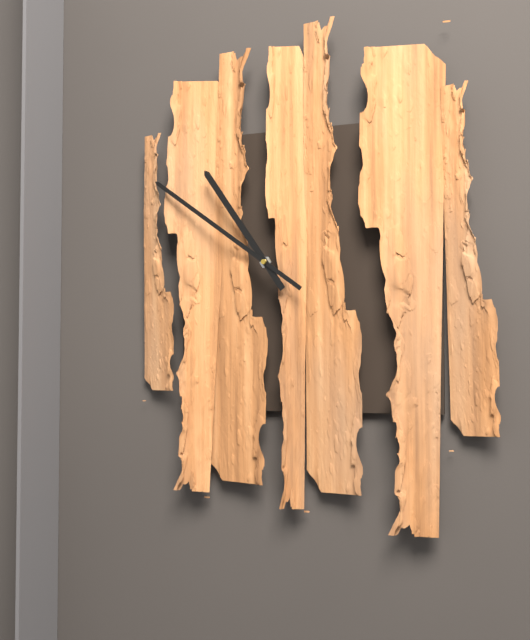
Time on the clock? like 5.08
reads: 10.51
